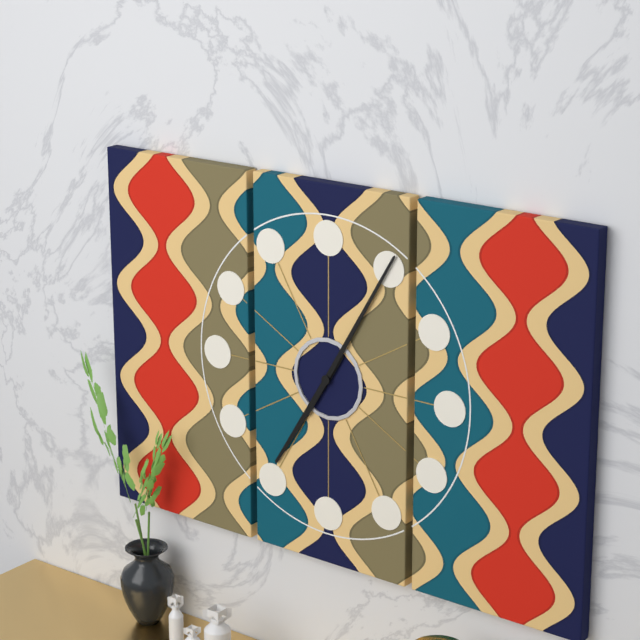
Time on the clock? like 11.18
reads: 7.05
